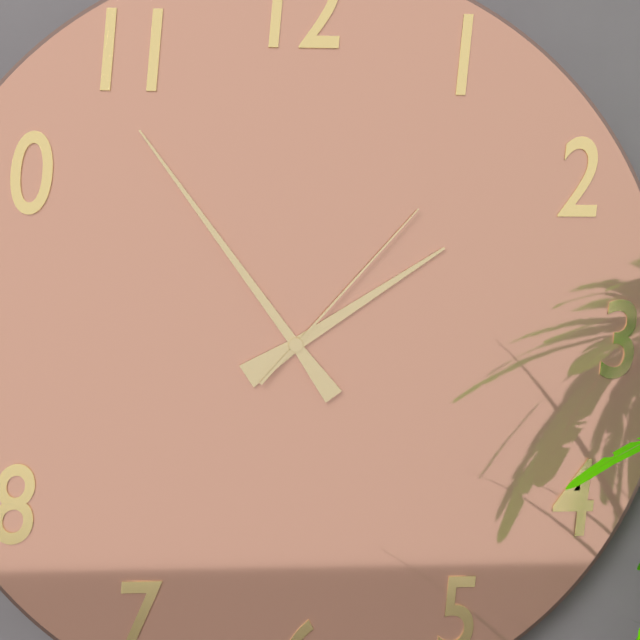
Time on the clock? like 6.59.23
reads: 1.54.07
